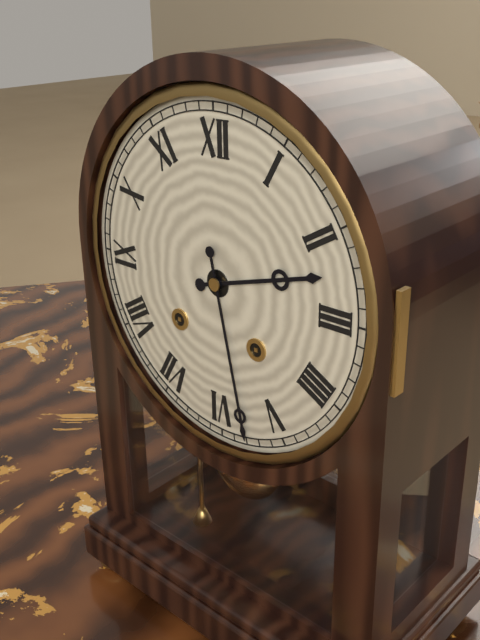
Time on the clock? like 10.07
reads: 2.28
